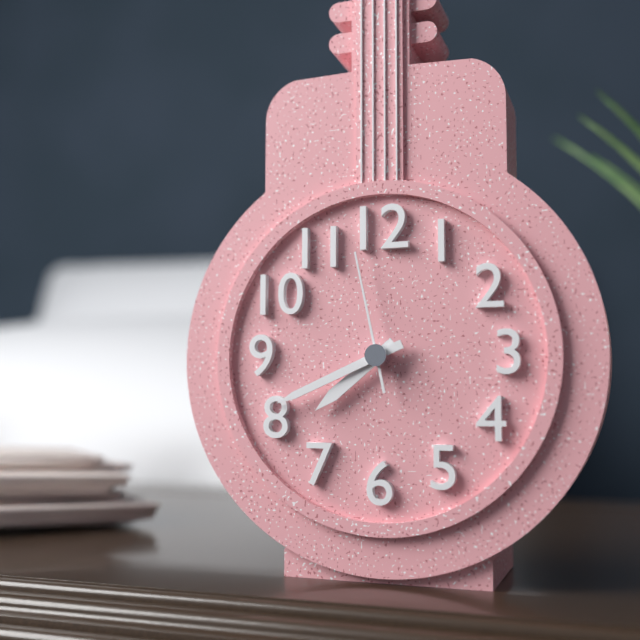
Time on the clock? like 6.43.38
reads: 7.41.58
